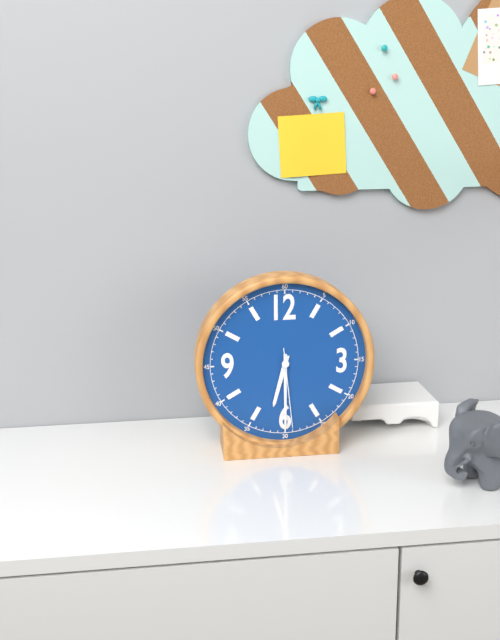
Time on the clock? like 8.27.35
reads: 6.30.29
